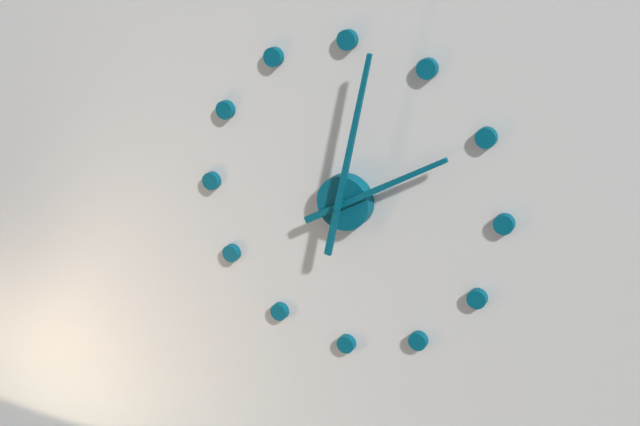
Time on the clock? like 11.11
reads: 2.02
